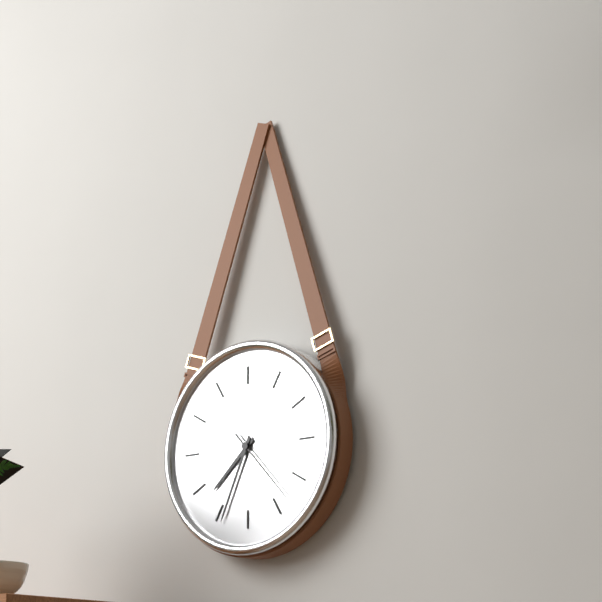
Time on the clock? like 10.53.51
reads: 7.34.23
